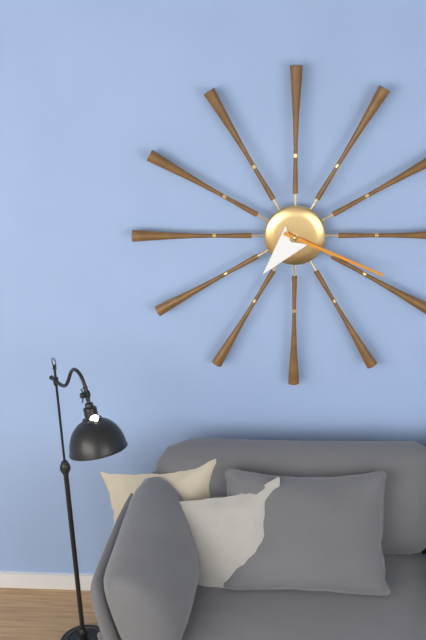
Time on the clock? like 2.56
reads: 7.19
